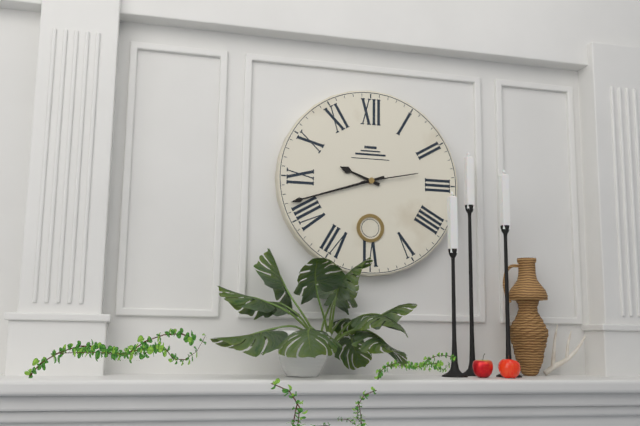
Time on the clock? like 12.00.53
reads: 9.42.13
